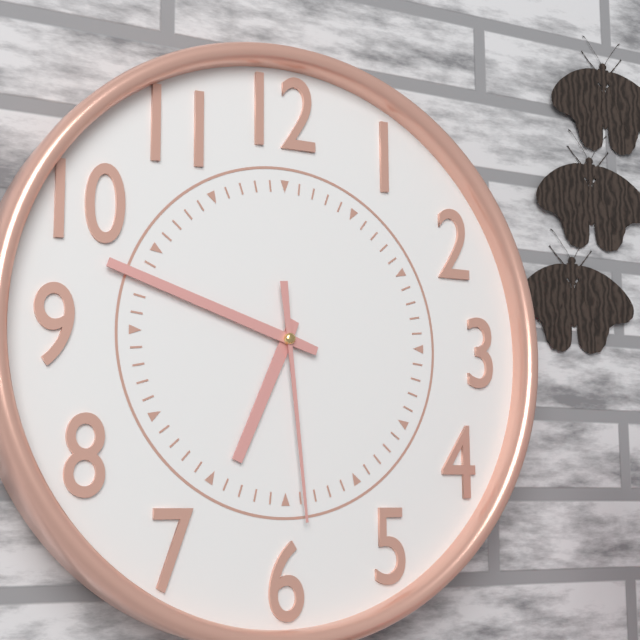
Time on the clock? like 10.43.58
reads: 6.48.29
